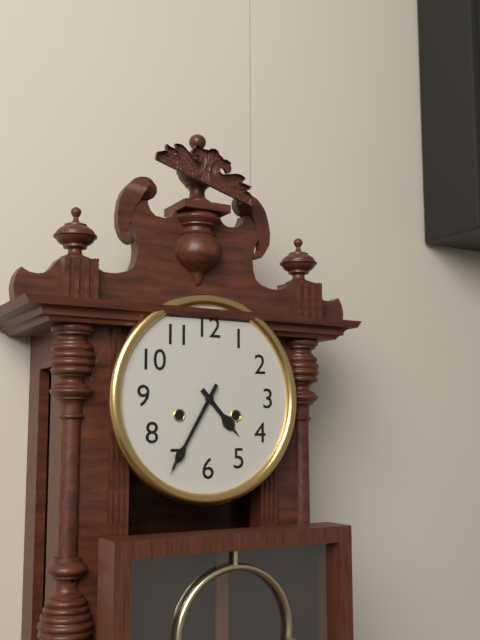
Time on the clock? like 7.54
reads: 4.35
